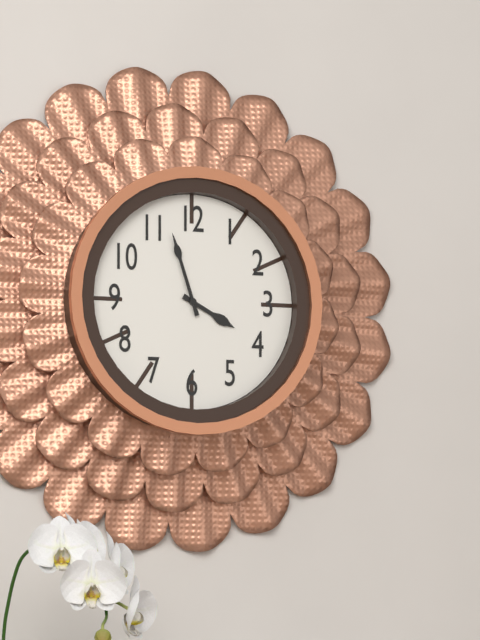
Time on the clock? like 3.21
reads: 3.57
